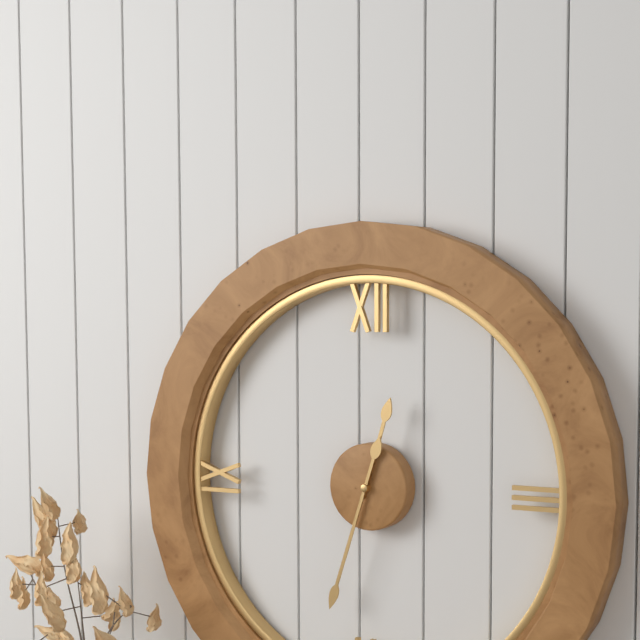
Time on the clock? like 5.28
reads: 12.33
